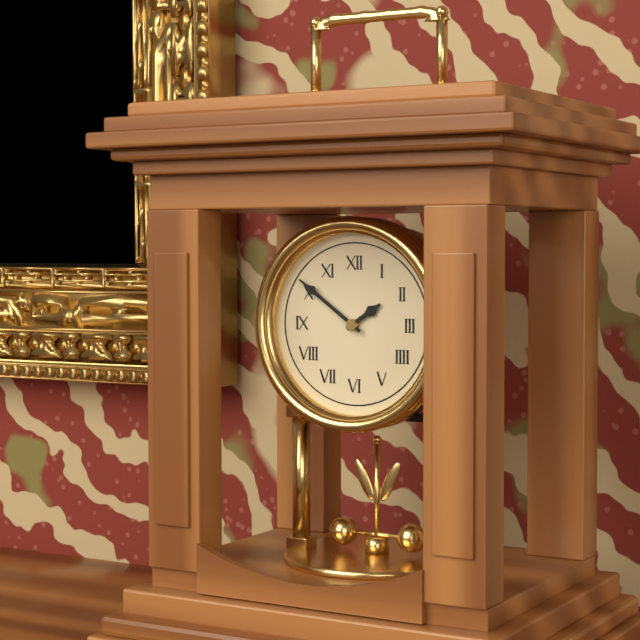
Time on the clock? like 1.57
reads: 1.51
